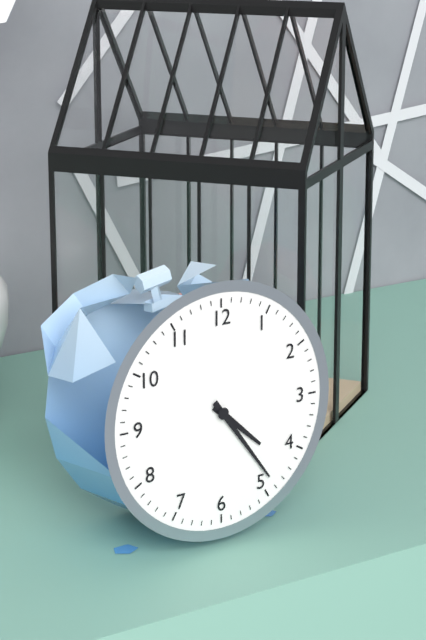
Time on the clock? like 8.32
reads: 4.24
